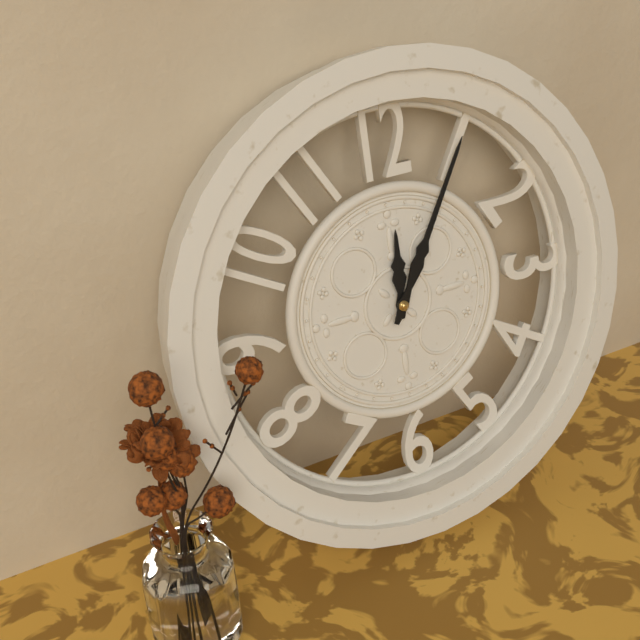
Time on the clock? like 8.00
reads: 12.05
